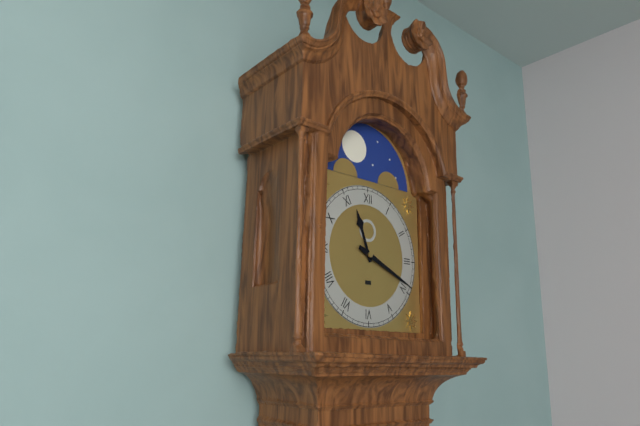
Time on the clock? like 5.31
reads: 11.19
